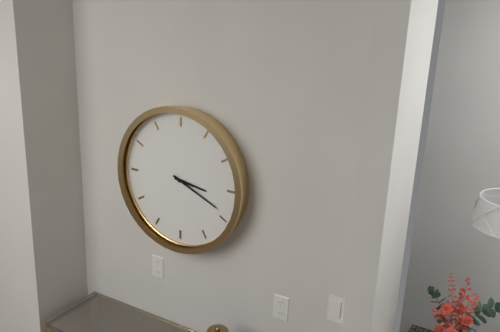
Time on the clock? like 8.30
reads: 3.19
